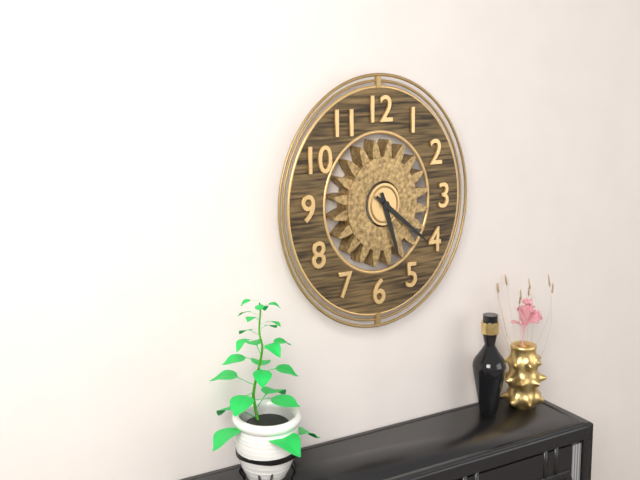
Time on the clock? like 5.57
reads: 5.21
